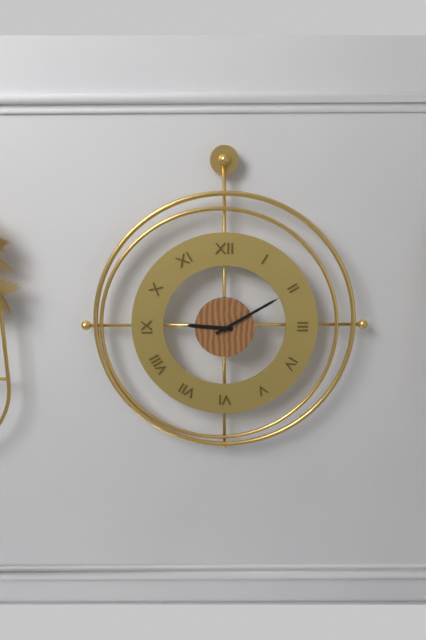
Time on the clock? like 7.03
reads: 9.10
